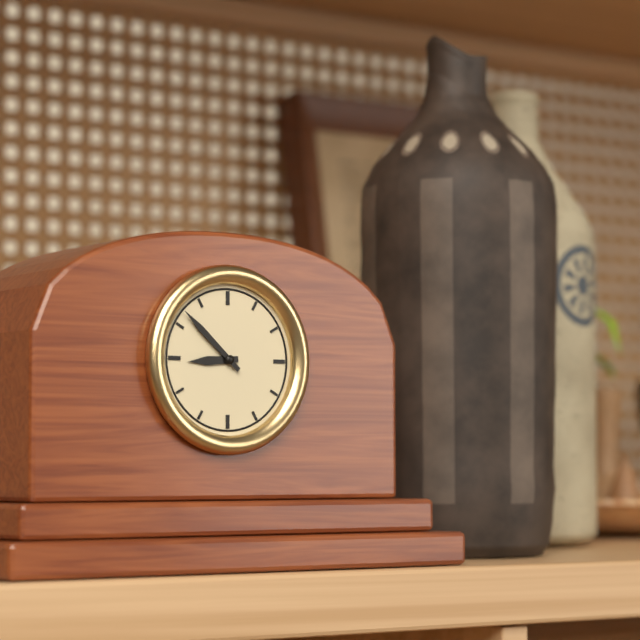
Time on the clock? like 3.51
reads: 8.52
